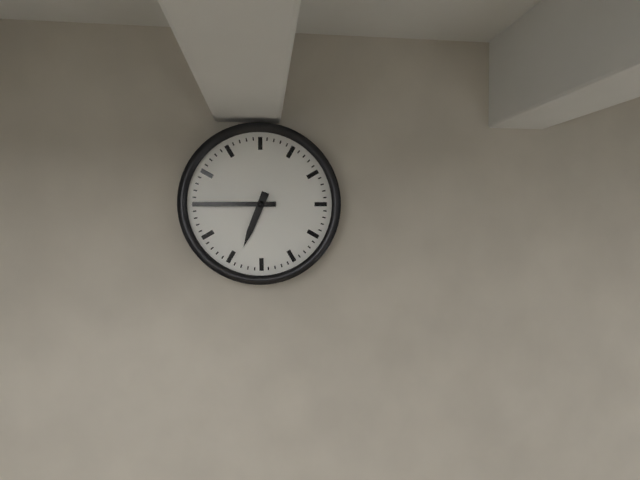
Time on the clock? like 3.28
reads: 6.45
